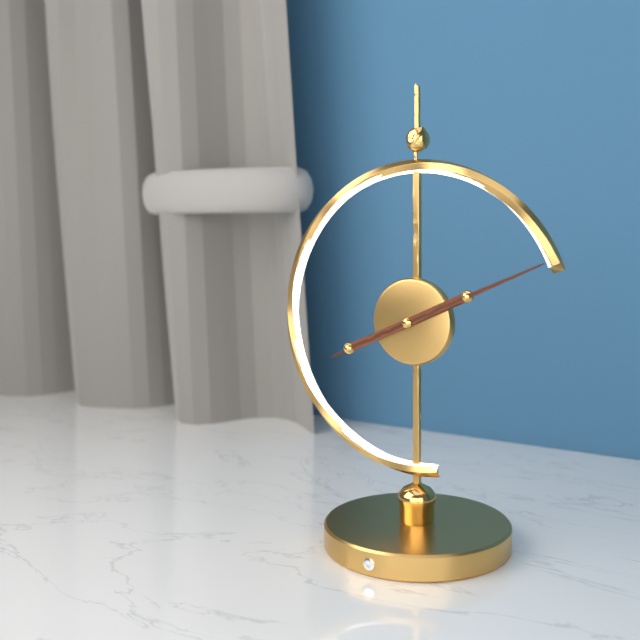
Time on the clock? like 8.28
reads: 8.11
